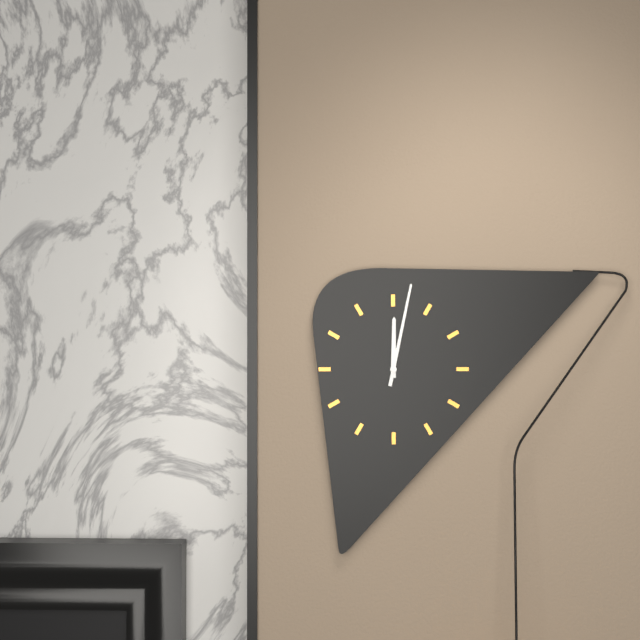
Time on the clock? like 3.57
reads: 12.02
